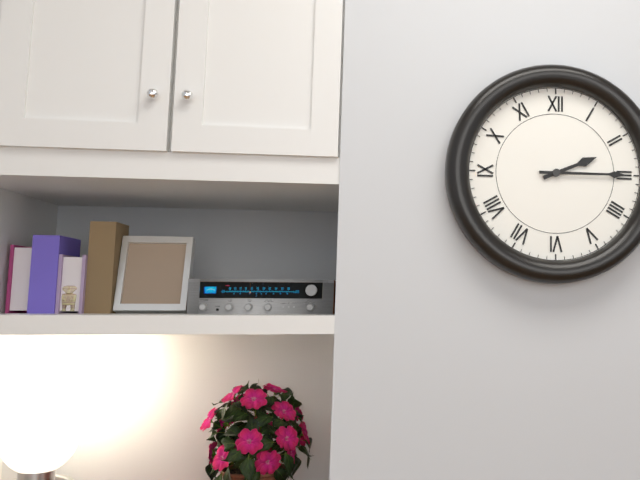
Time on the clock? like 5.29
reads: 2.15
